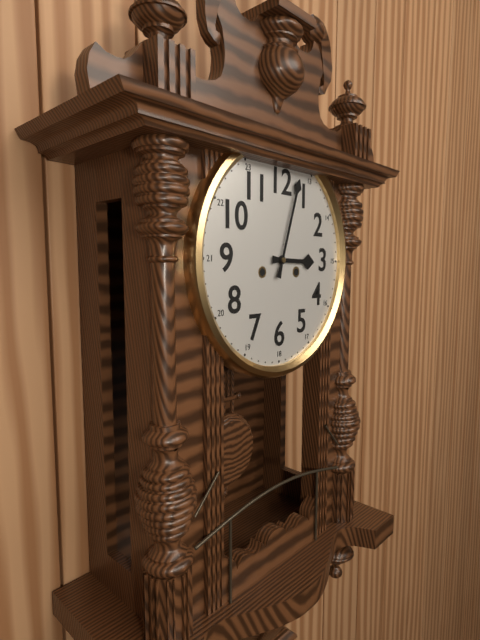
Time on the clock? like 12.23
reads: 3.03
